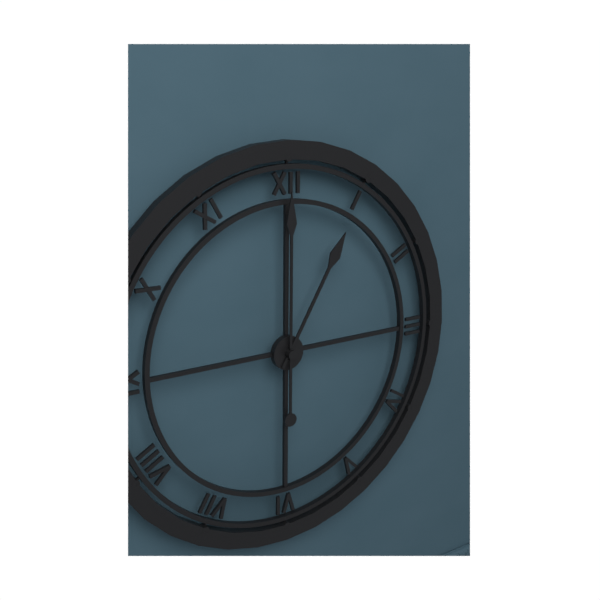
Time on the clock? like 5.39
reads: 1.00
